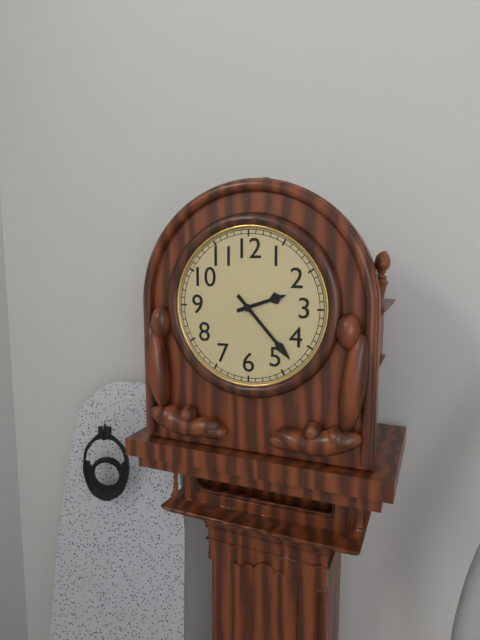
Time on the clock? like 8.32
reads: 2.23
